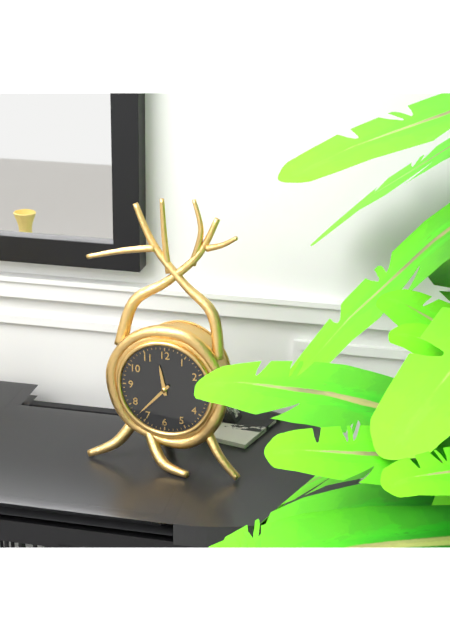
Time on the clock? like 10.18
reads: 11.37
